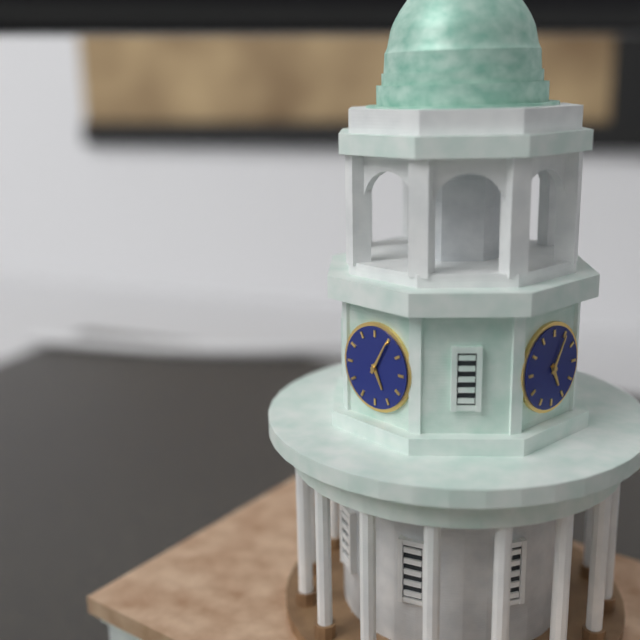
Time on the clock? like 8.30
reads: 5.05
